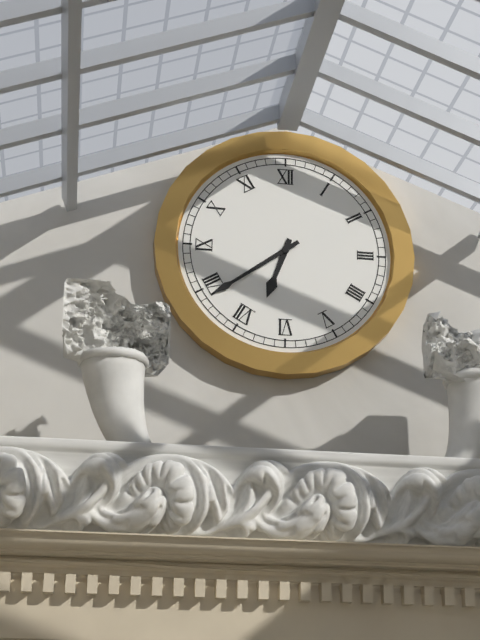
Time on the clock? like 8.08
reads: 6.39
